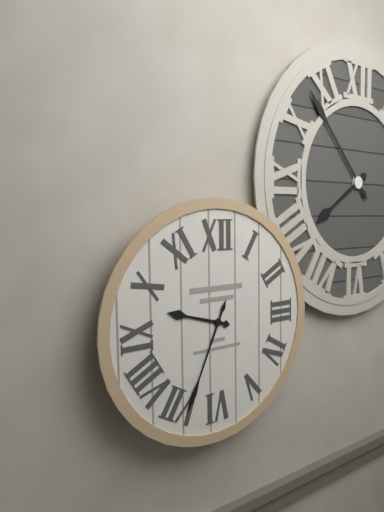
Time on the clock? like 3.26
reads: 9.34
